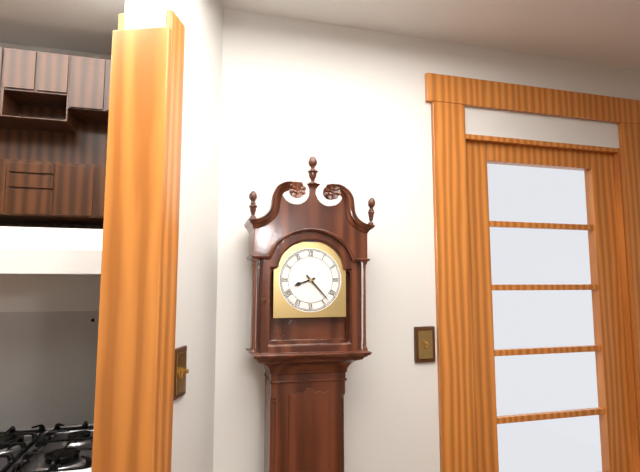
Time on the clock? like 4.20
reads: 8.23
